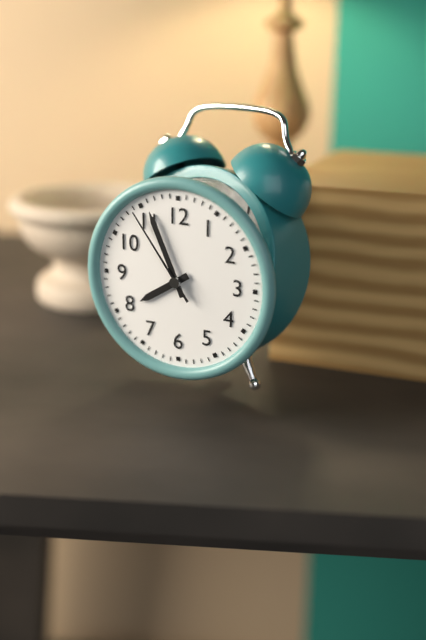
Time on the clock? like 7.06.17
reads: 7.56.54
